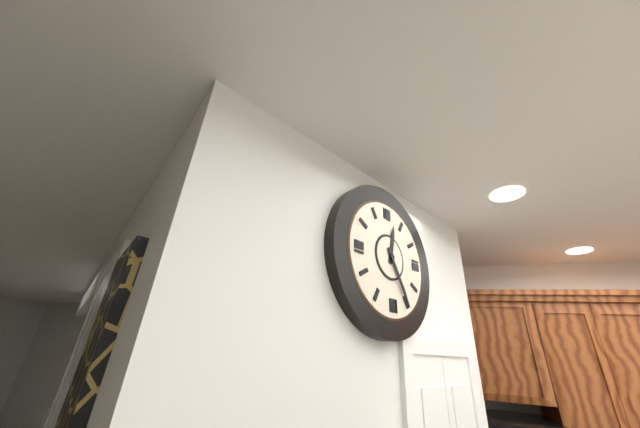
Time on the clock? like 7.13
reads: 12.25
